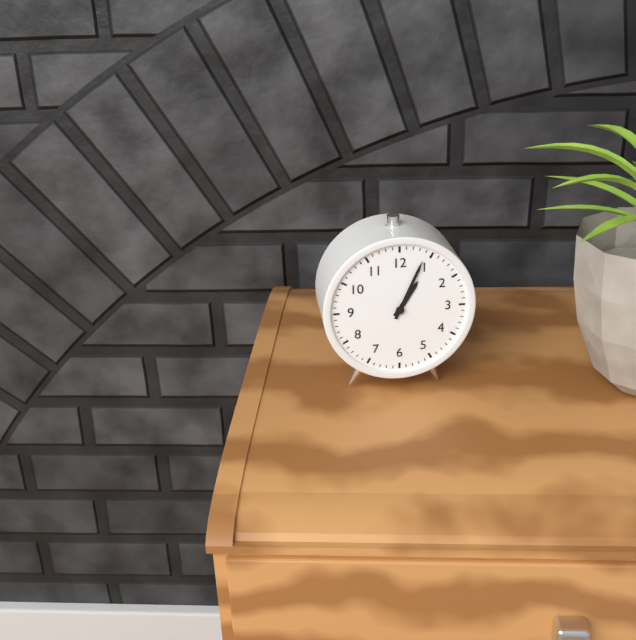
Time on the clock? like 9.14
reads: 1.04
